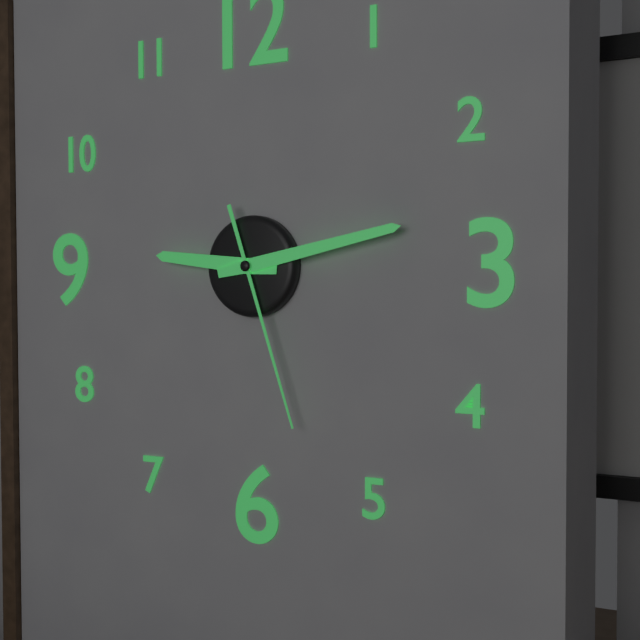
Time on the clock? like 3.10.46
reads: 9.13.27
